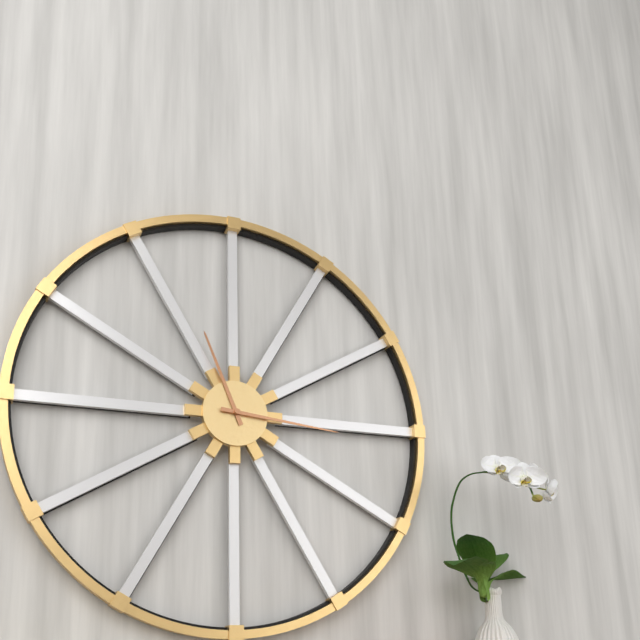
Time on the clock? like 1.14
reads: 11.16
